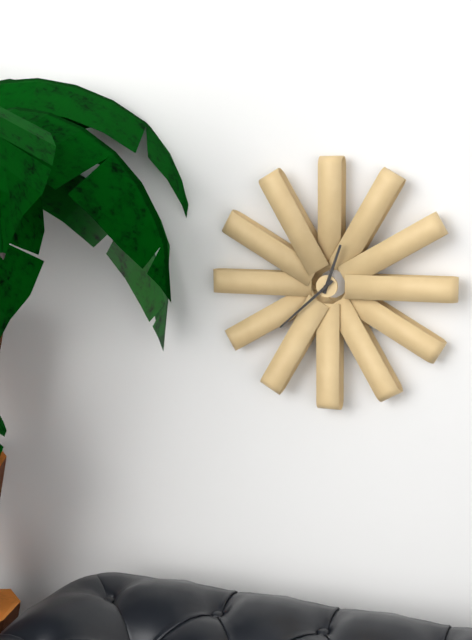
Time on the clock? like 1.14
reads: 12.38
